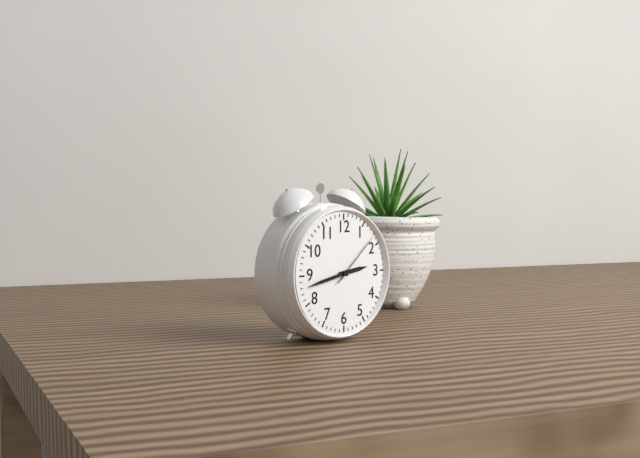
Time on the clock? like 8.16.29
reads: 2.43.08
